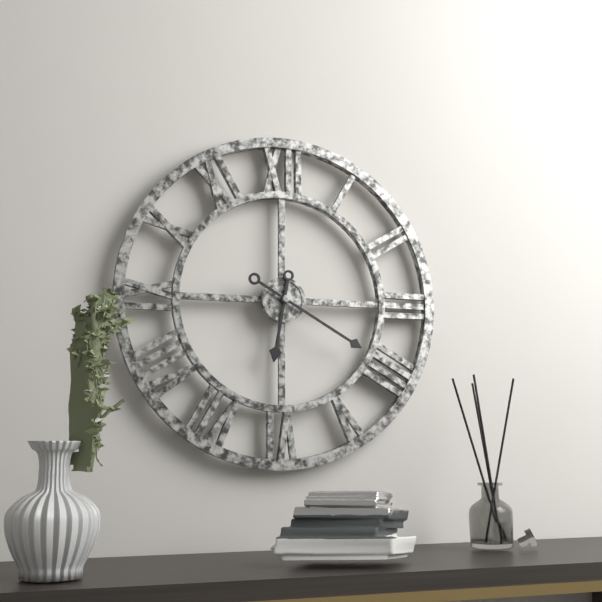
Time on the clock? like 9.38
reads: 6.20
